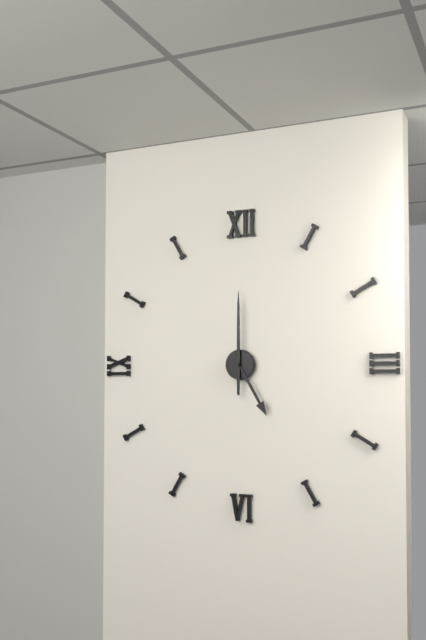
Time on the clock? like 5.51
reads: 5.00
